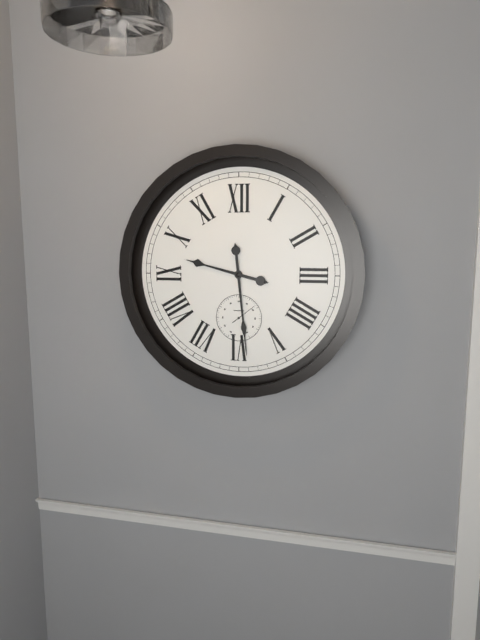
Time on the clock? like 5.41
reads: 9.29
